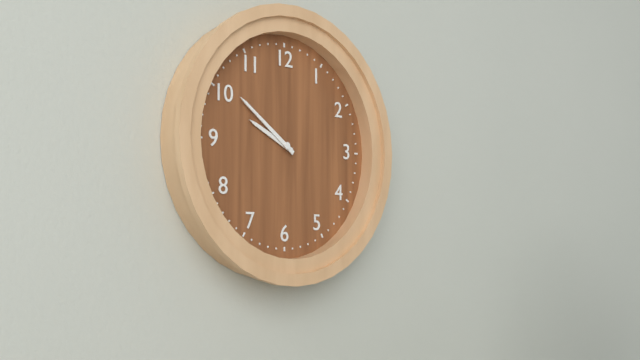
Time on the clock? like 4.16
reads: 9.51
